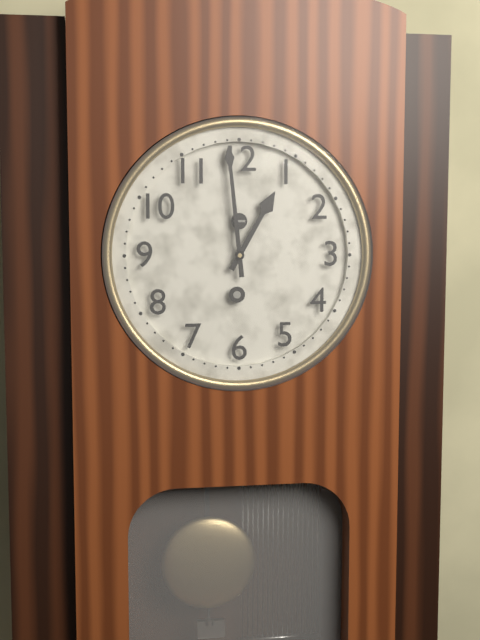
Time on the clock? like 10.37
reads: 12.59
